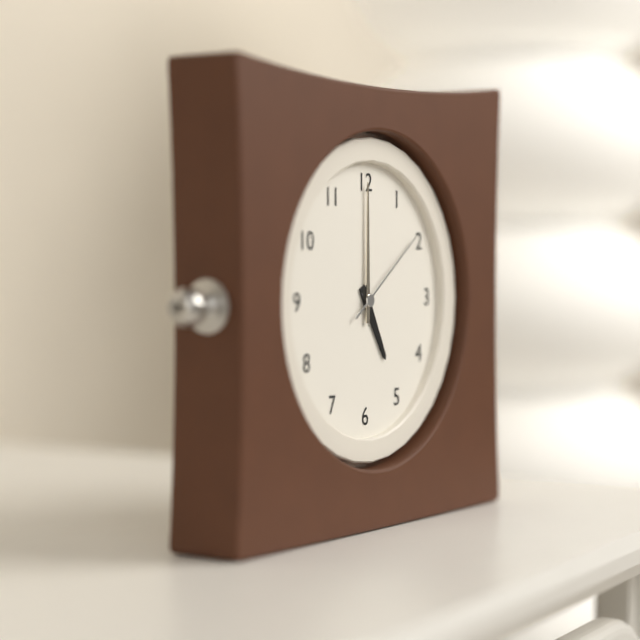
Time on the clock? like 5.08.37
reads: 5.00.09
